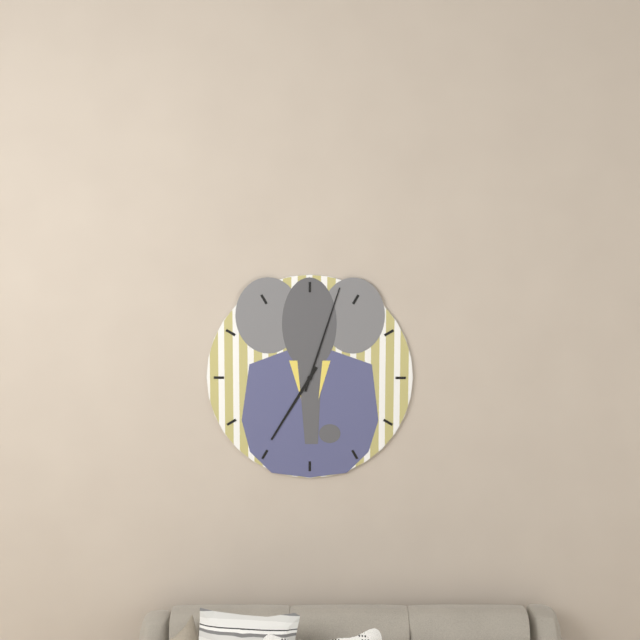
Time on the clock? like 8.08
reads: 7.03
